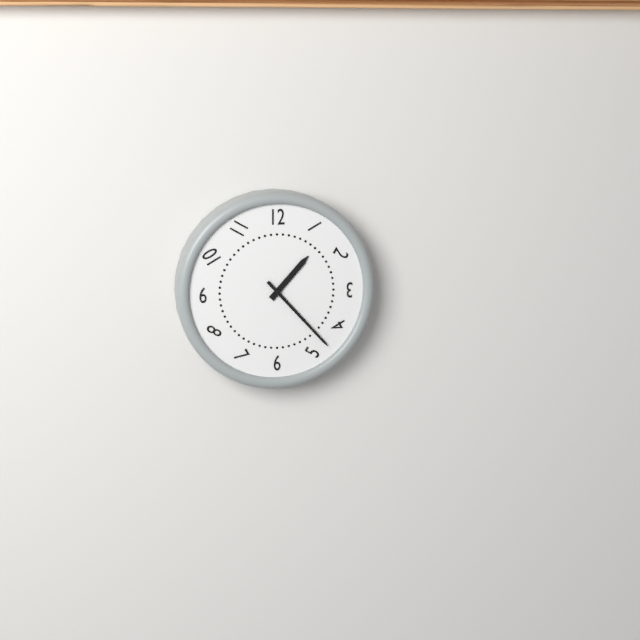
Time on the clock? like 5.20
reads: 1.23
